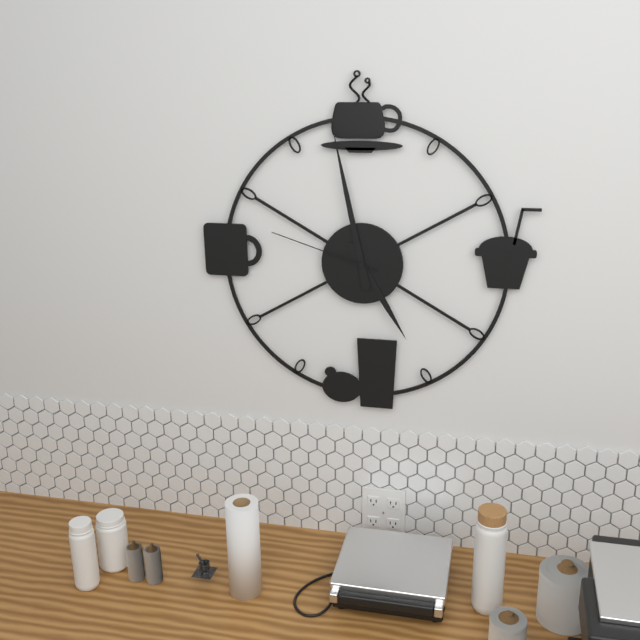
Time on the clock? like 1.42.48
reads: 4.58.48
